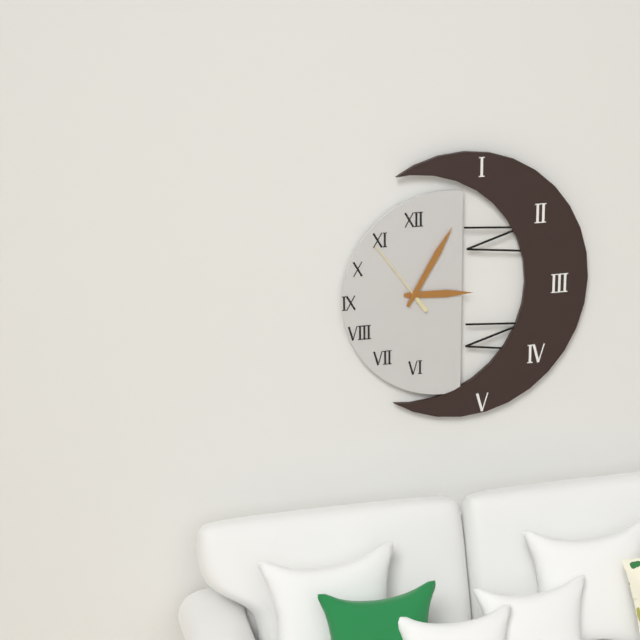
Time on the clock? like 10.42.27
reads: 3.05.54
